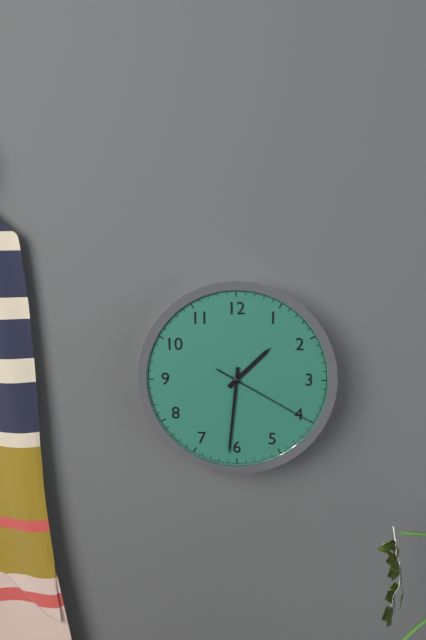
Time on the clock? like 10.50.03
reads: 1.31.20
